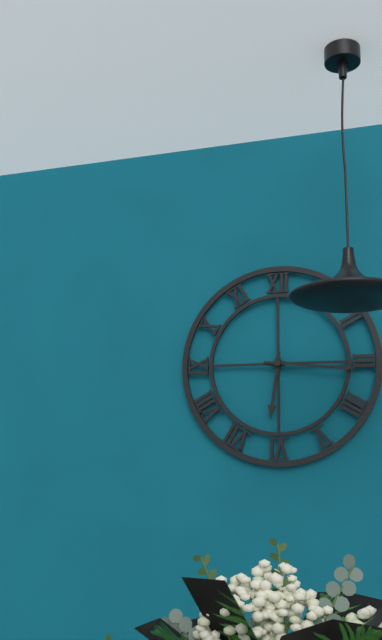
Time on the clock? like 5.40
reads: 6.16
